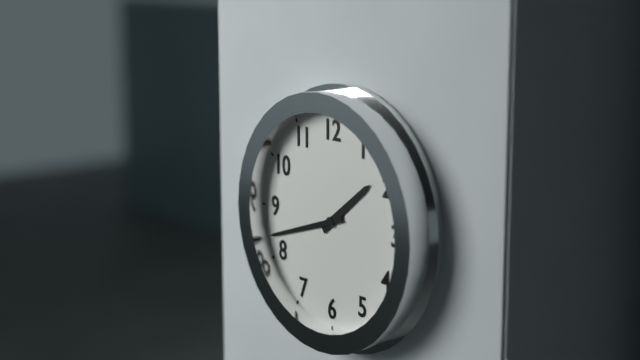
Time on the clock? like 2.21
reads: 1.42
